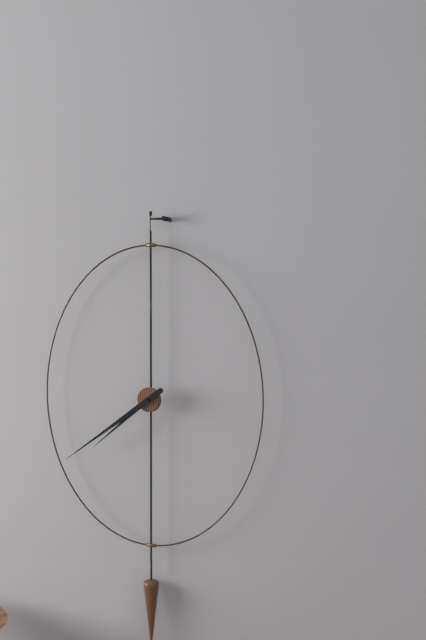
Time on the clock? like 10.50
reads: 7.39
